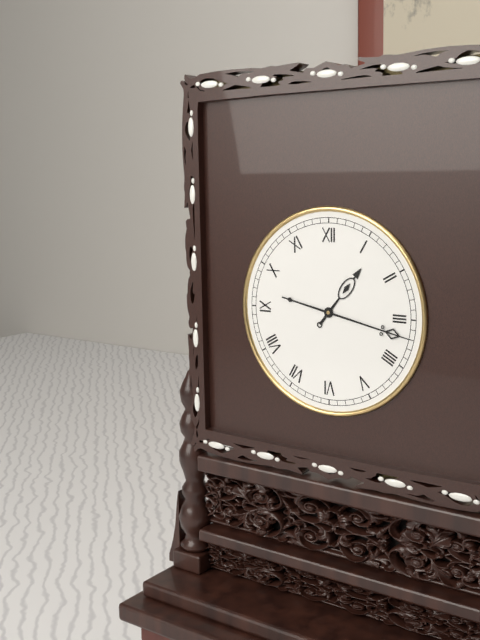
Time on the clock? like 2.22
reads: 1.17
